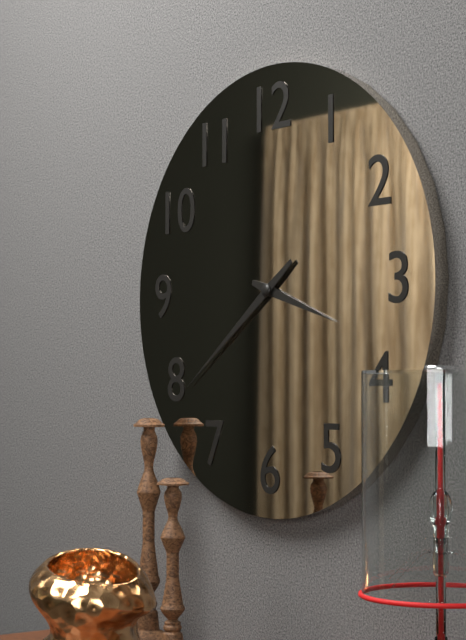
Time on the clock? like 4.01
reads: 3.39
